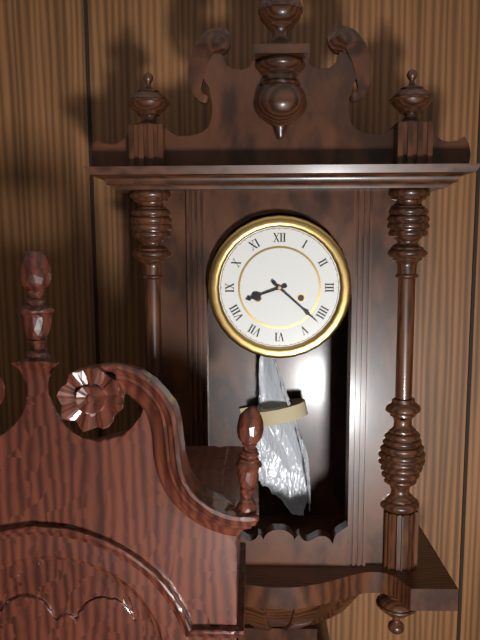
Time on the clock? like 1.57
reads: 8.22
